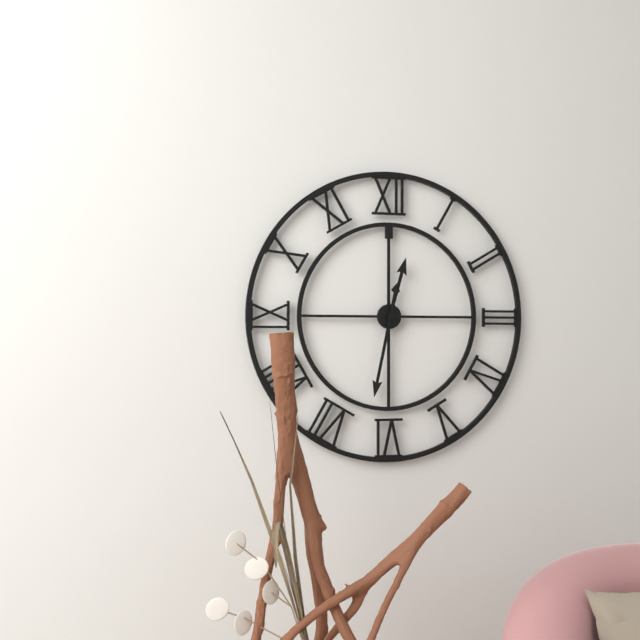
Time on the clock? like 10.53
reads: 12.32
